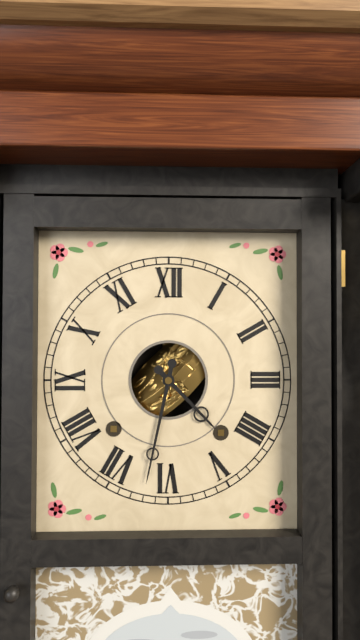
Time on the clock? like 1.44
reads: 4.32
